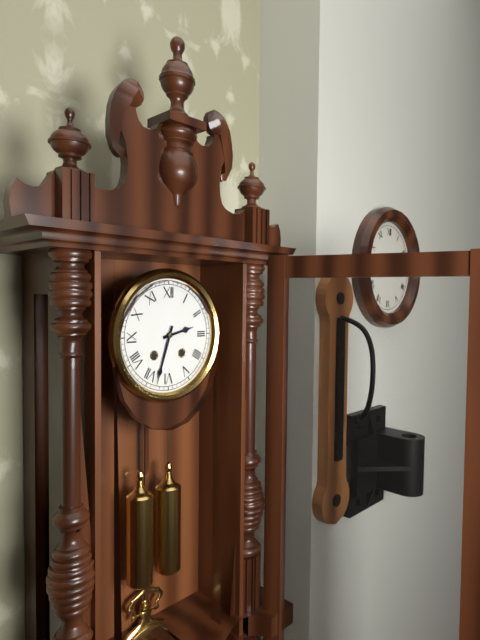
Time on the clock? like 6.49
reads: 2.33
